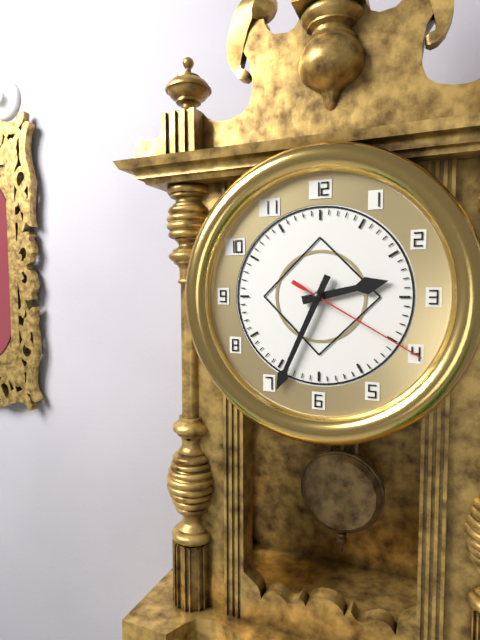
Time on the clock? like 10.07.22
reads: 2.34.20
